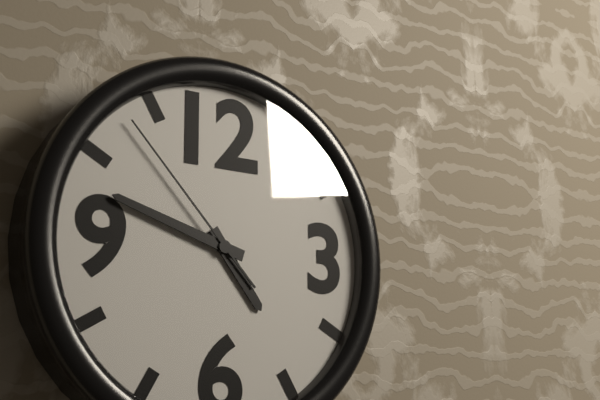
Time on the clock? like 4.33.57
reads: 4.48.53
